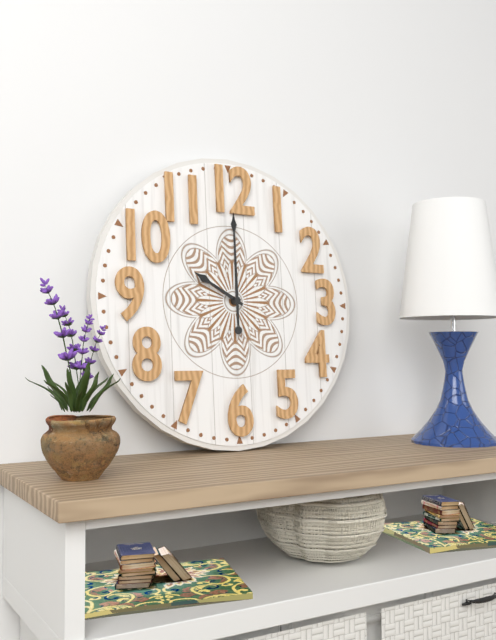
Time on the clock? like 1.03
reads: 10.00
